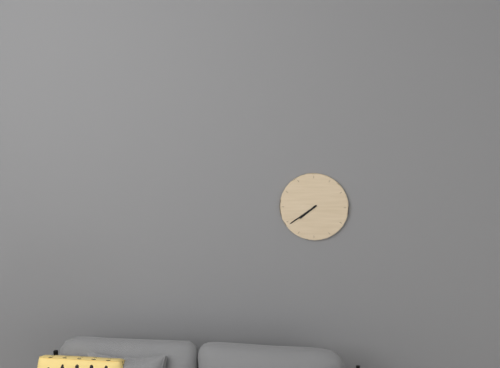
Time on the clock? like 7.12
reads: 7.39
